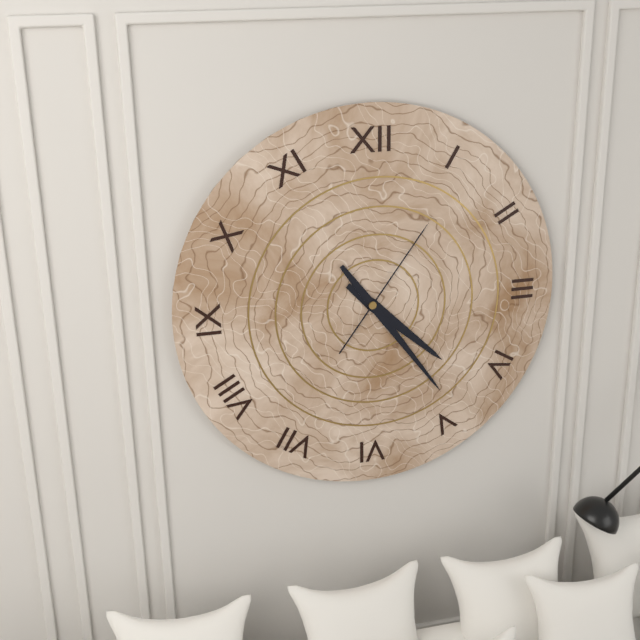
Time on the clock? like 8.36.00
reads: 4.24.06
